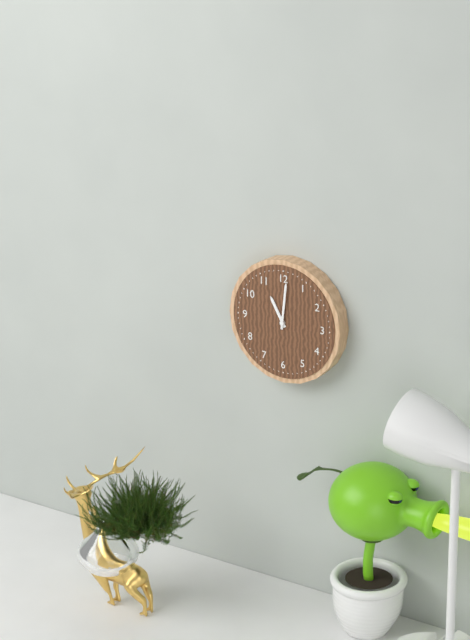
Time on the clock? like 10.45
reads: 11.01
